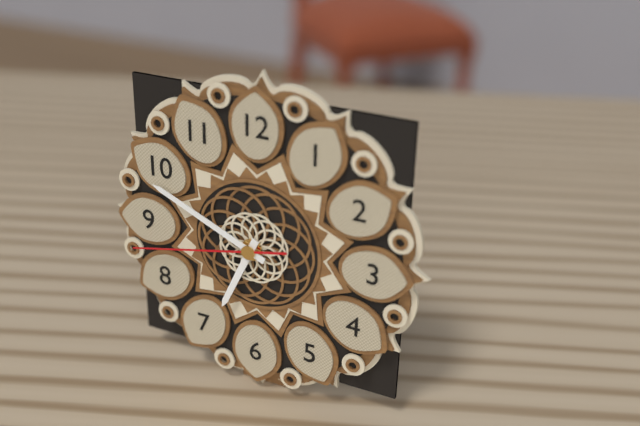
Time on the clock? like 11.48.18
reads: 6.49.43
